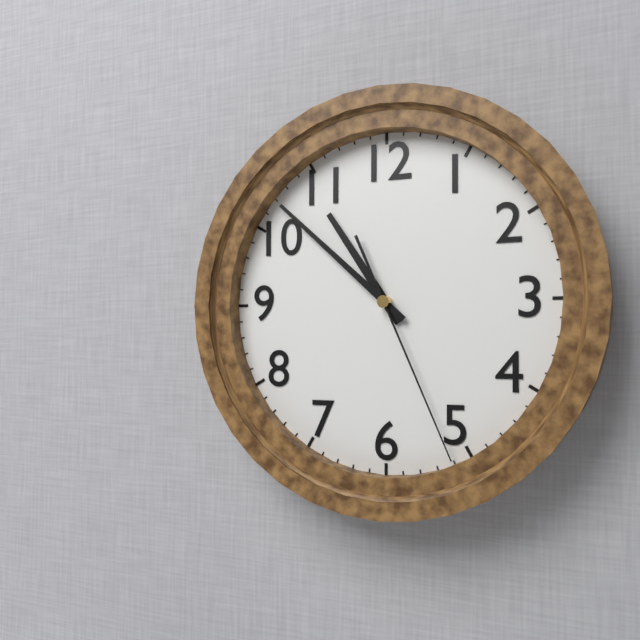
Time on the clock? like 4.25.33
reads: 10.52.26
